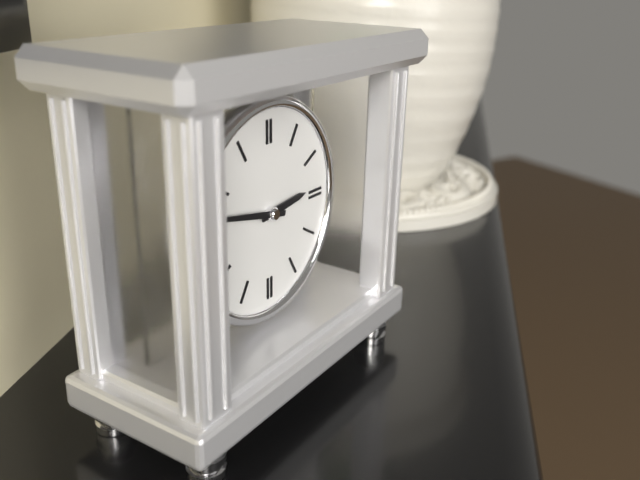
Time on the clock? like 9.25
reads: 2.47
